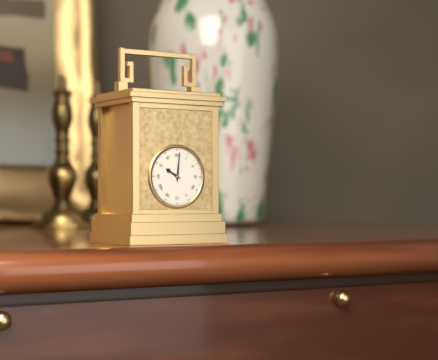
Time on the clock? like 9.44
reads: 10.01
